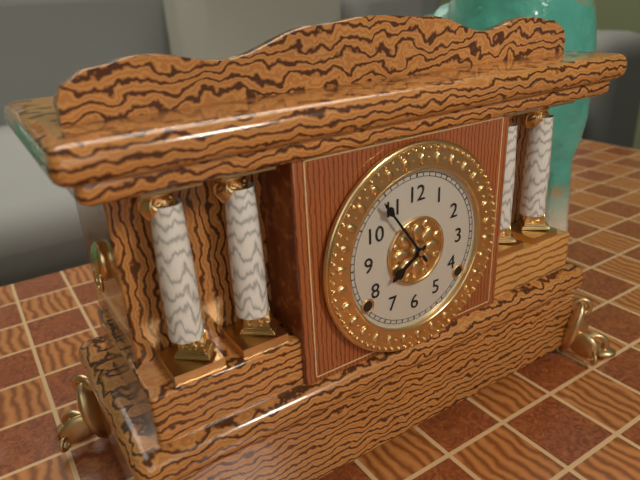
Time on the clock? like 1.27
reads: 7.54
